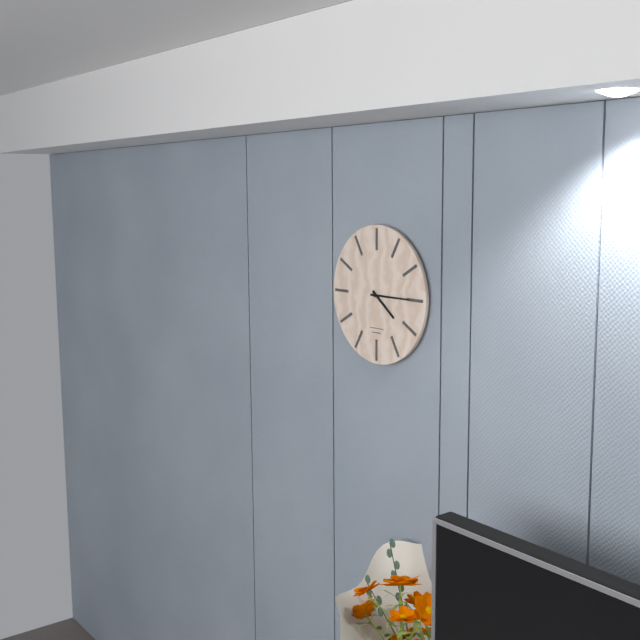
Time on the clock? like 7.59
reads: 4.15
